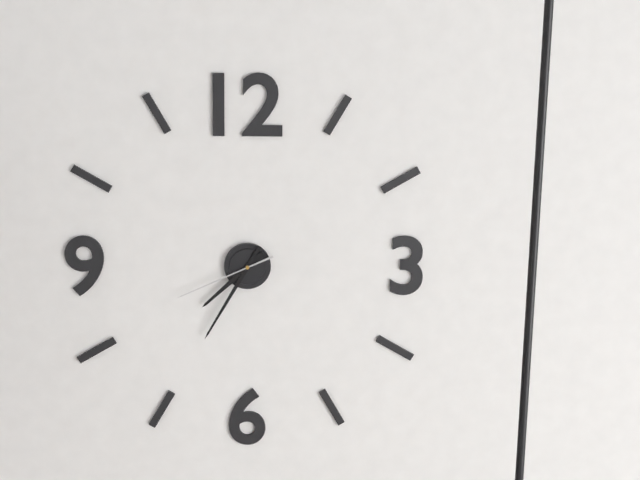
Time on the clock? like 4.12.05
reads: 7.35.41
